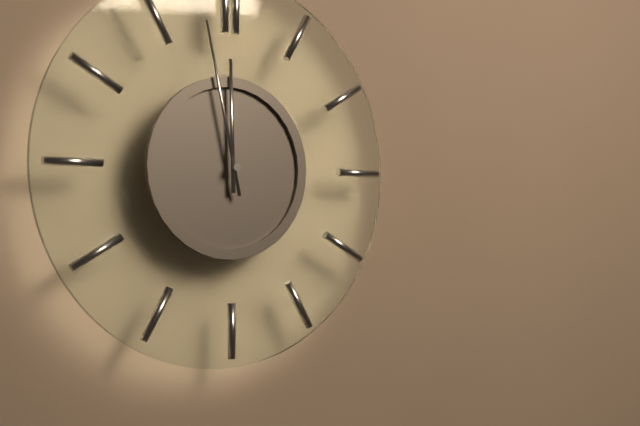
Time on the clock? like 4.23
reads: 11.58
